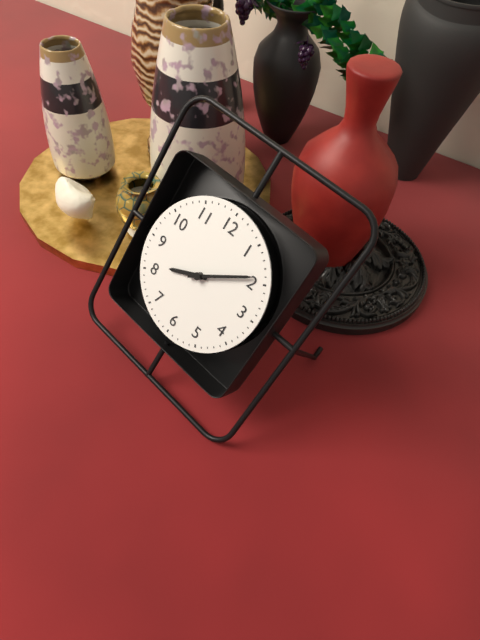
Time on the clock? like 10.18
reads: 8.09
